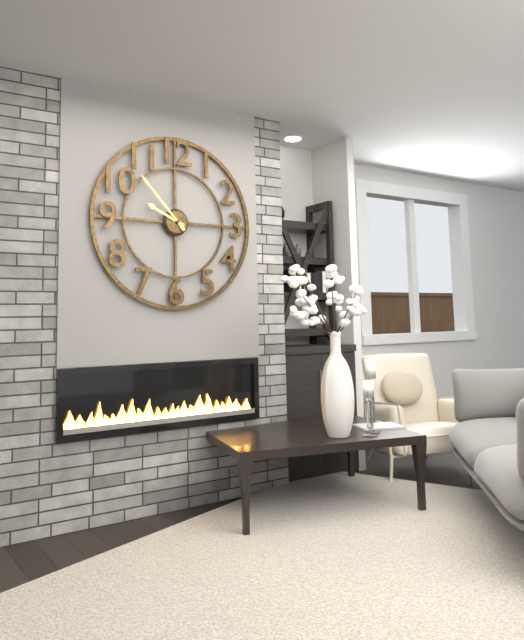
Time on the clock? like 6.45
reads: 9.53
